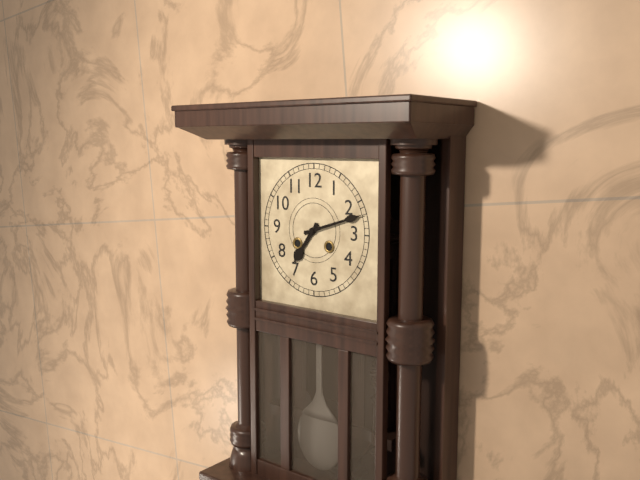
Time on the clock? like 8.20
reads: 7.12
